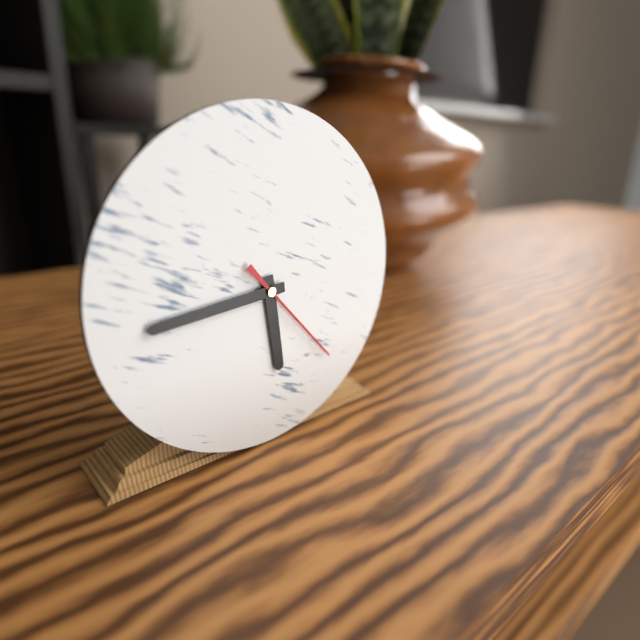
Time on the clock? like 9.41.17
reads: 5.44.23
